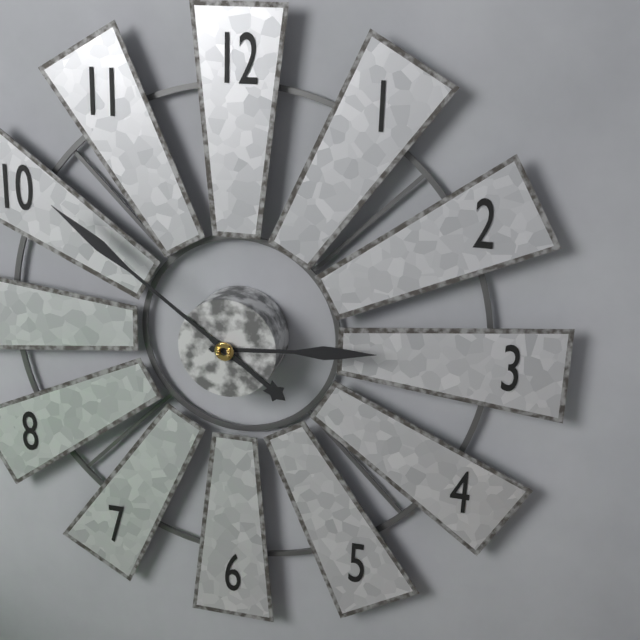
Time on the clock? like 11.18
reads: 2.51
